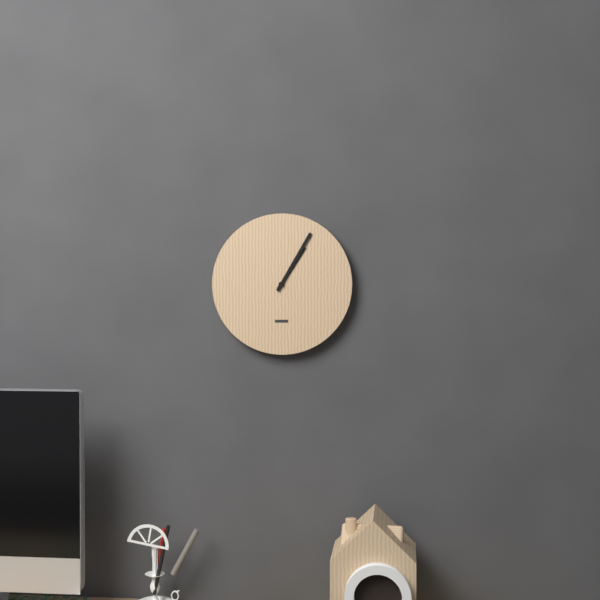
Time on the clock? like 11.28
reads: 1.05
